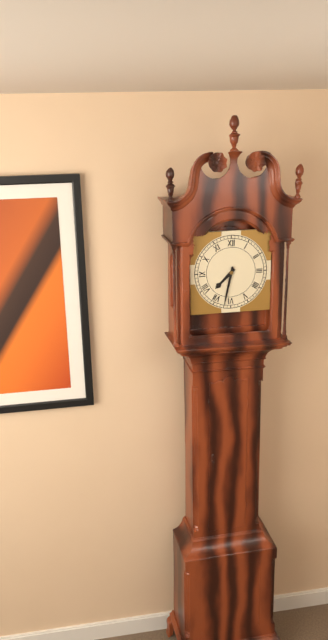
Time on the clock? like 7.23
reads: 7.32
